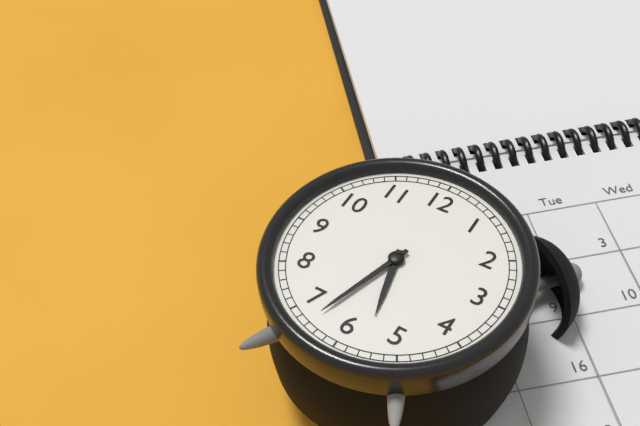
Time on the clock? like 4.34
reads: 5.33
